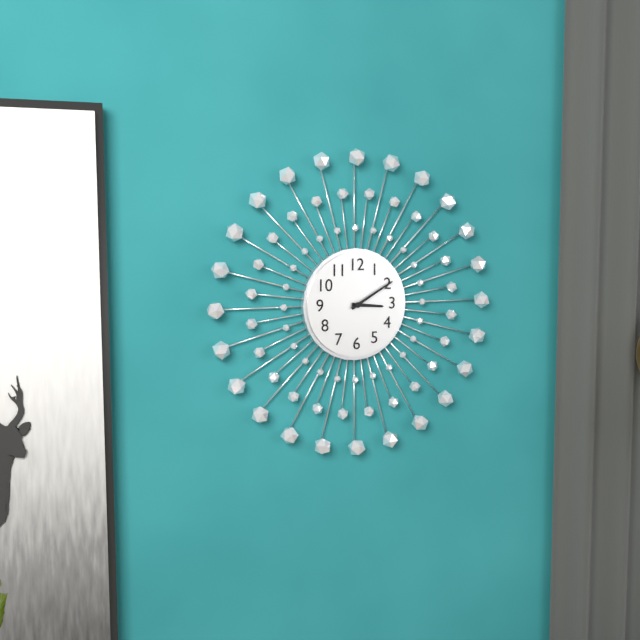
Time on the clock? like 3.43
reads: 3.10
